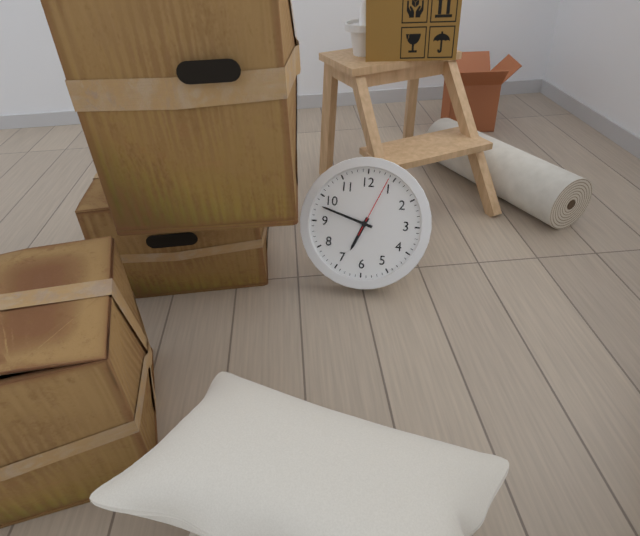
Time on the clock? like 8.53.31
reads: 6.48.04
